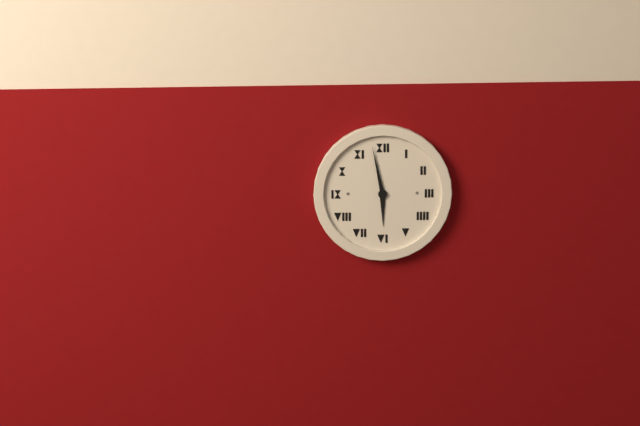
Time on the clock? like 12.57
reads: 5.58
